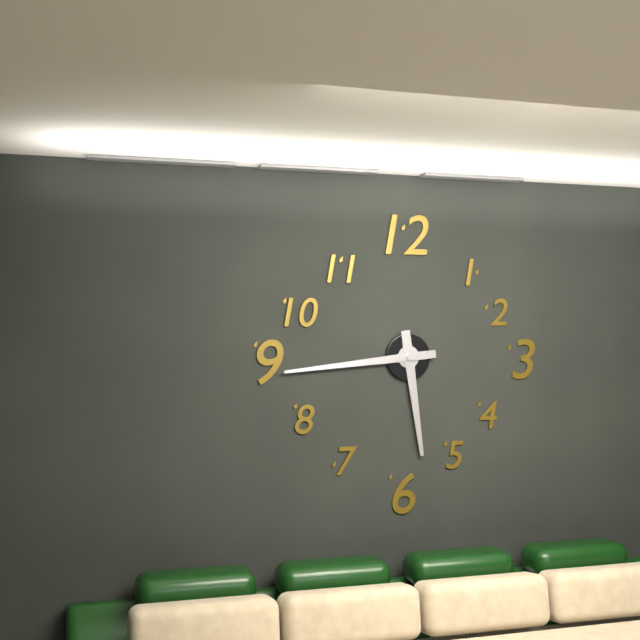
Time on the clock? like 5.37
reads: 5.44
